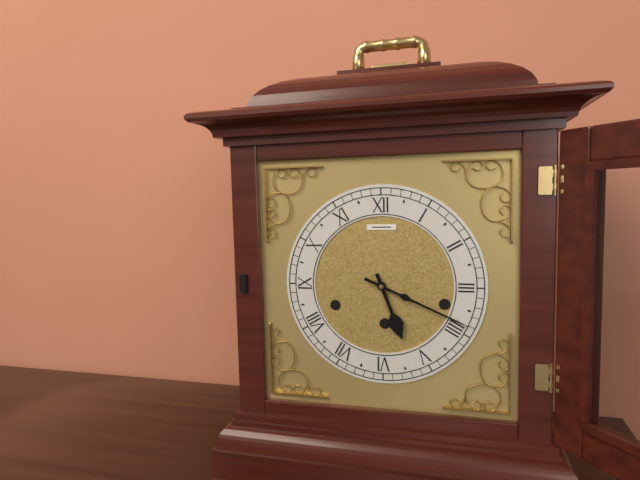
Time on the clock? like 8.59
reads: 5.19
